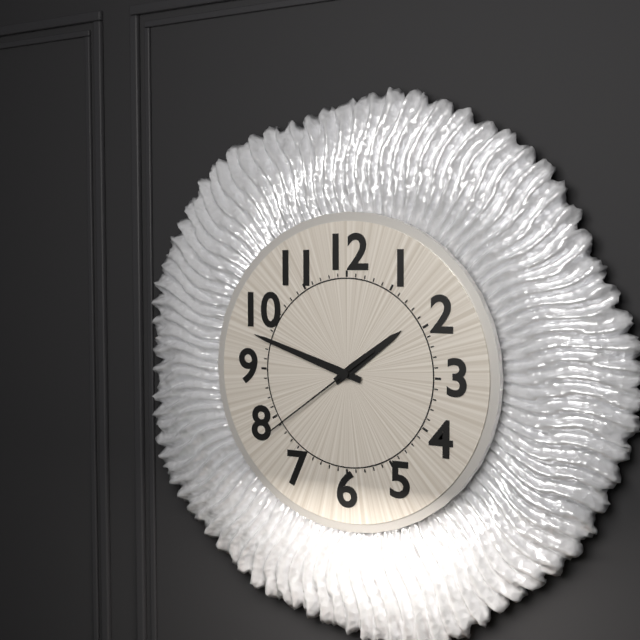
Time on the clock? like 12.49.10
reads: 1.48.39
